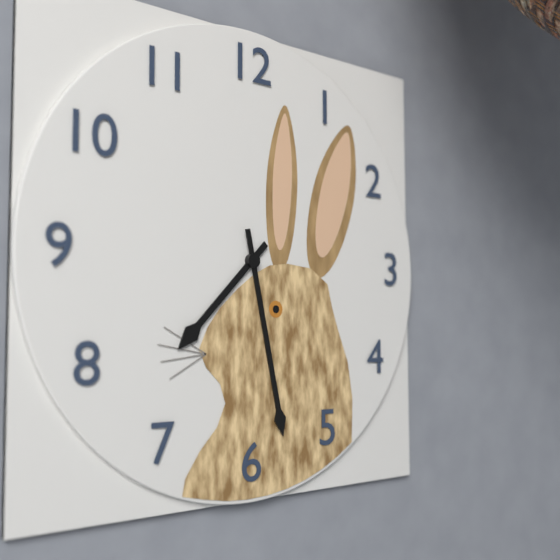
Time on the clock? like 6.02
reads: 7.28
